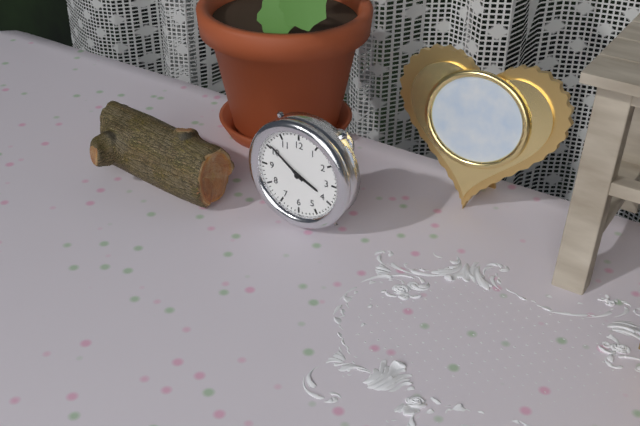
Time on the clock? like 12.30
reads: 3.51
